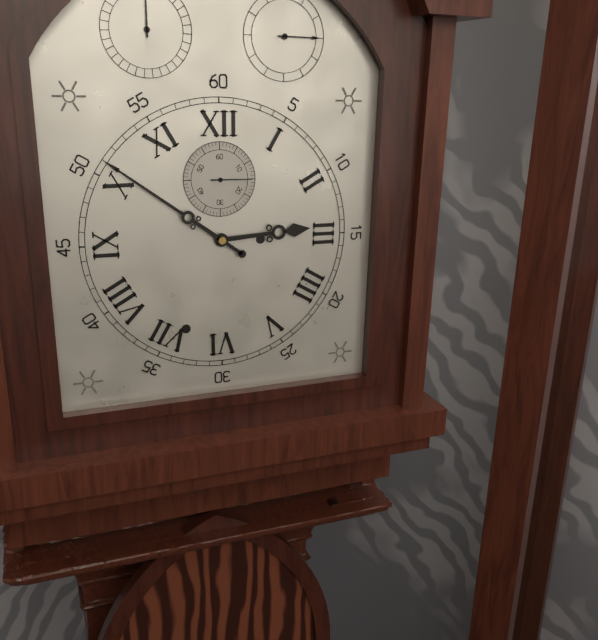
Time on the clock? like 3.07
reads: 2.51
